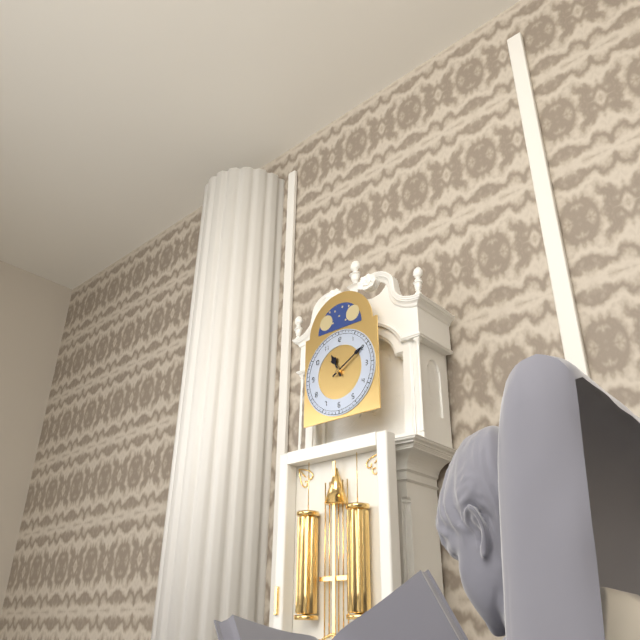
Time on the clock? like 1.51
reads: 11.10
